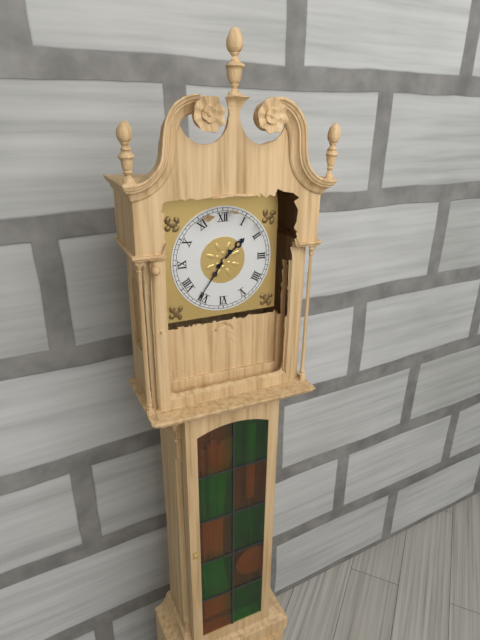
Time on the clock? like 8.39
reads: 1.36
